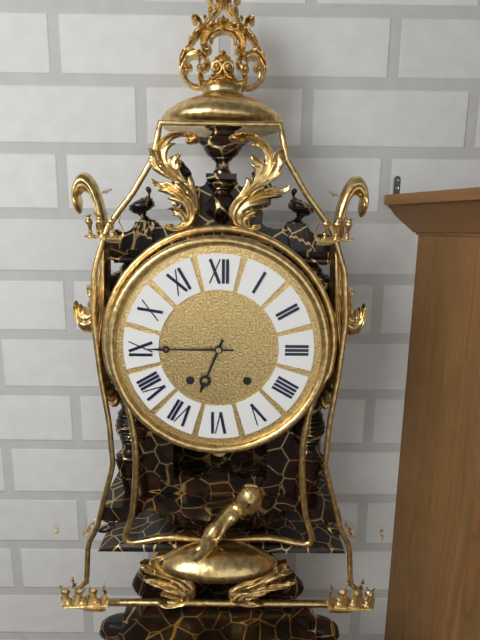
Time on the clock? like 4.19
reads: 6.45
